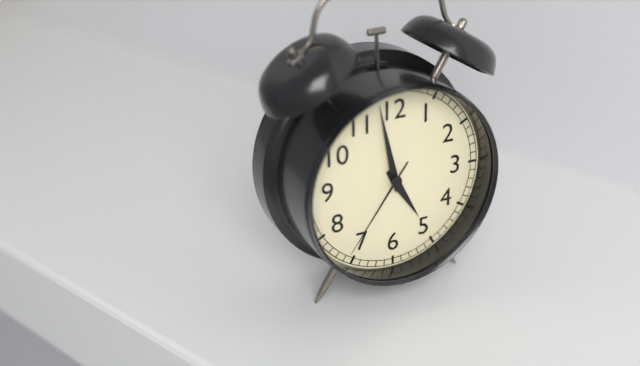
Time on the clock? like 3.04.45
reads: 4.58.36
